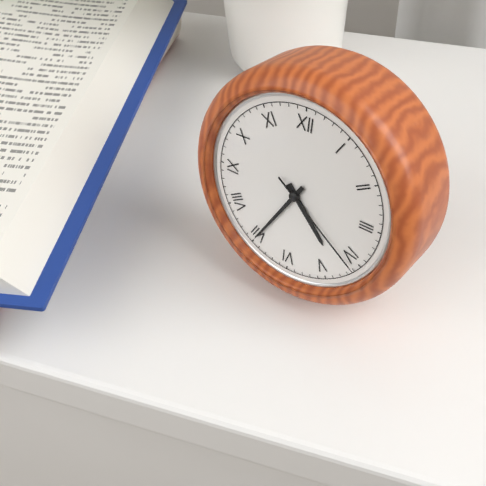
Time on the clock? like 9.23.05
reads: 4.35.21
